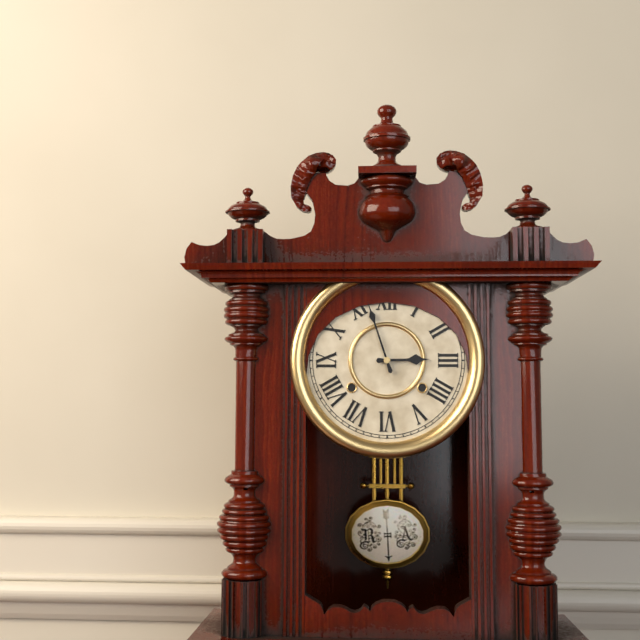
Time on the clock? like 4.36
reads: 2.57
